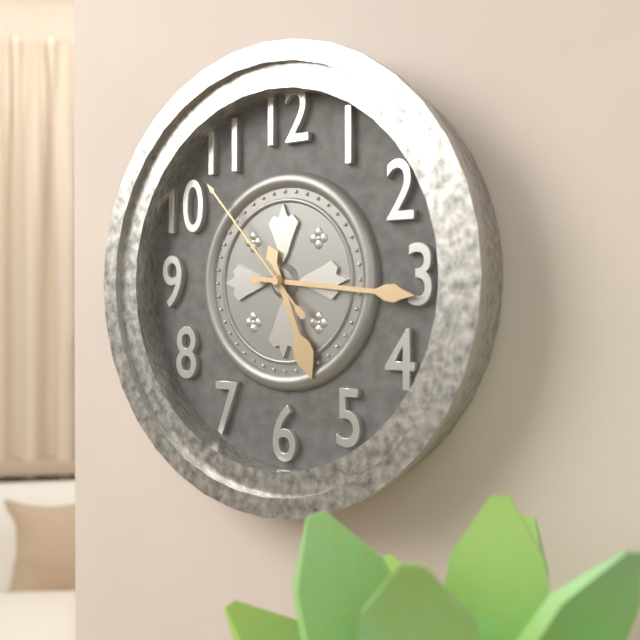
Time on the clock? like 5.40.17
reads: 5.16.53
